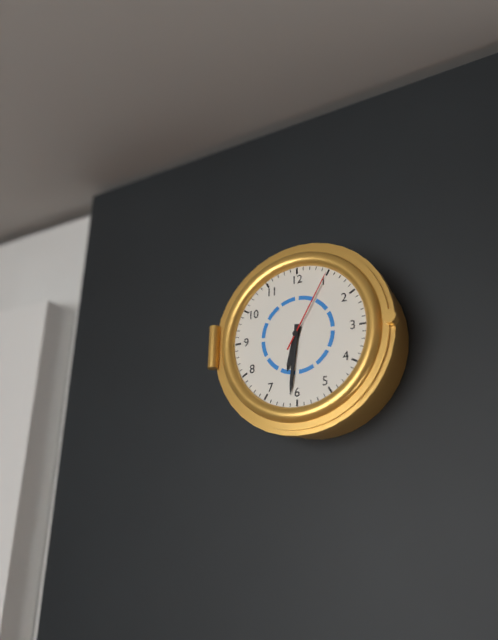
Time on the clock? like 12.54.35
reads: 6.31.05
